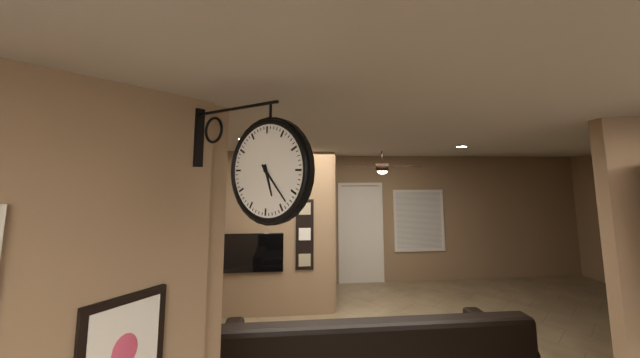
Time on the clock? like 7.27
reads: 5.23
